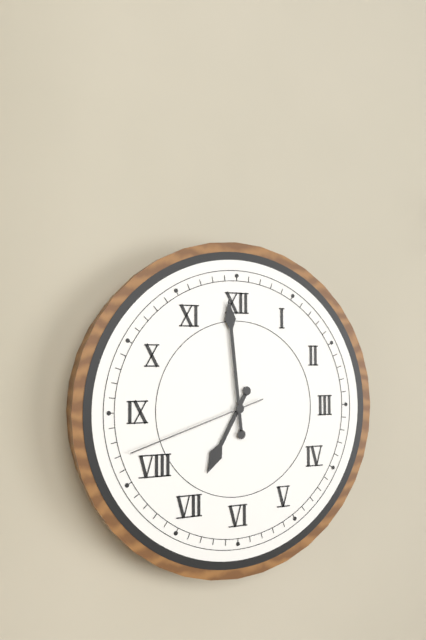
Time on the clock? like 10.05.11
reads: 6.59.42
